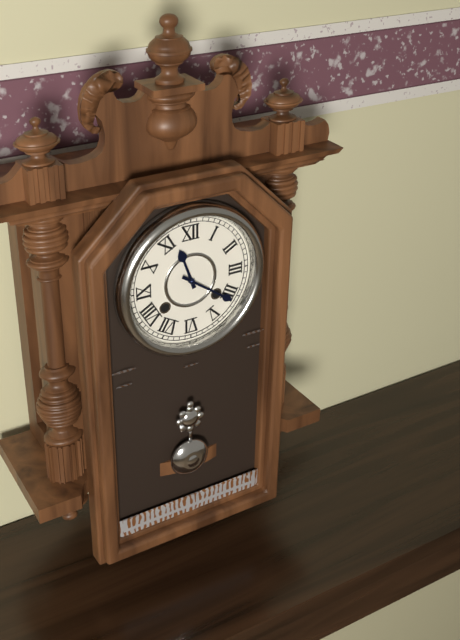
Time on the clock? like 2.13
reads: 11.21
